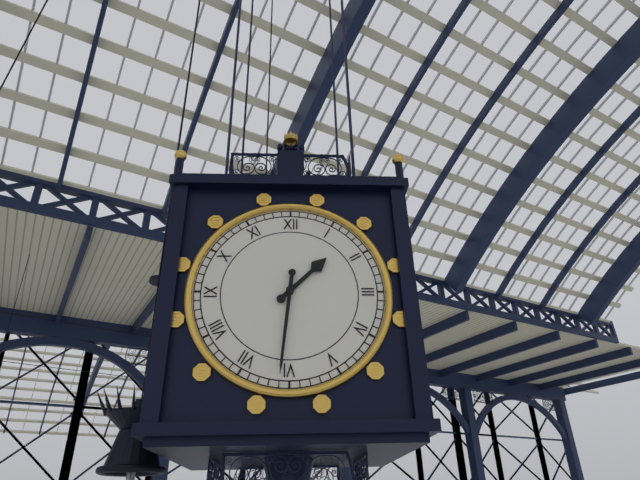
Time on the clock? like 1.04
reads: 1.31
